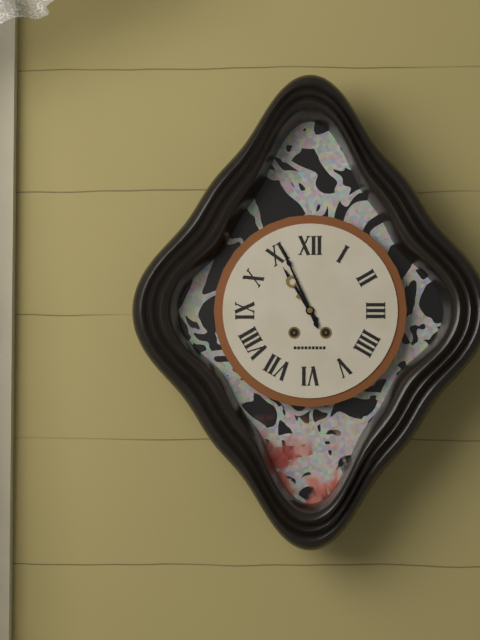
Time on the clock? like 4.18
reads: 10.56
